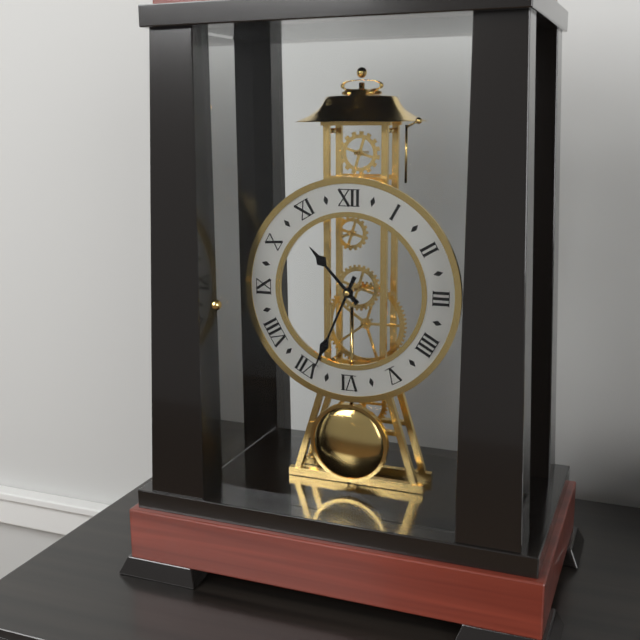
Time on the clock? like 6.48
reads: 10.34
